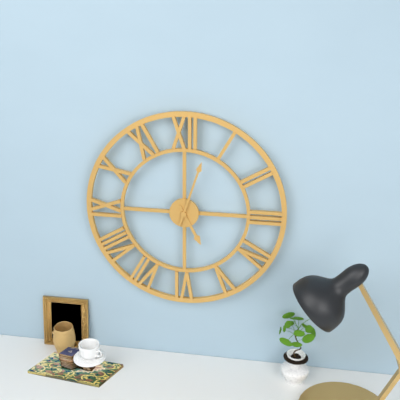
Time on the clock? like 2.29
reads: 5.03
